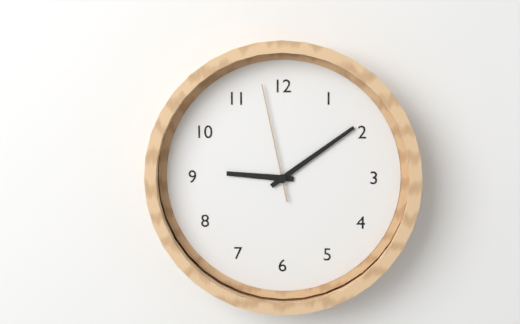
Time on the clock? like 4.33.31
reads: 9.09.58
